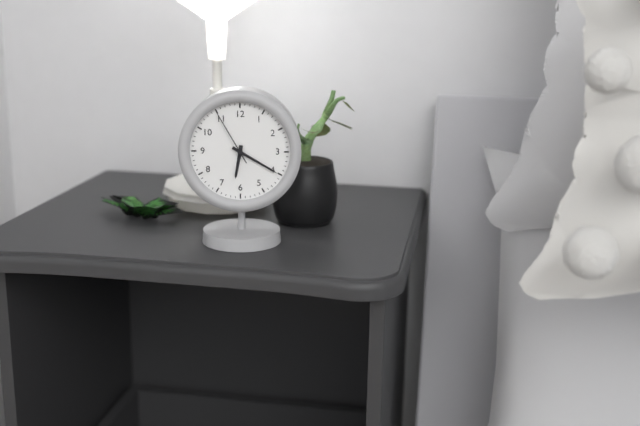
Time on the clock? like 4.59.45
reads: 6.20.55
